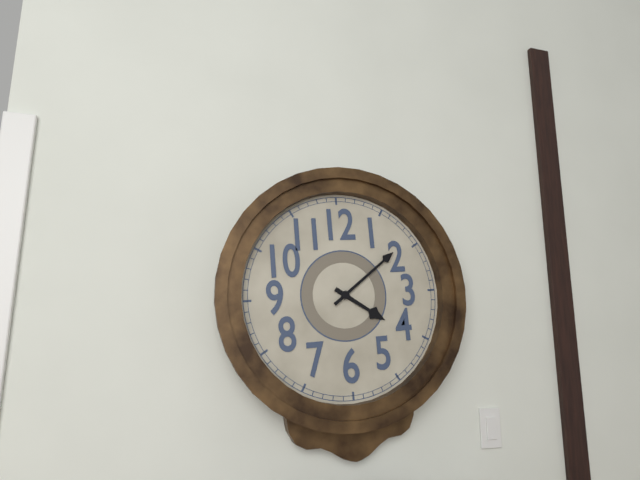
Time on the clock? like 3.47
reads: 4.09
